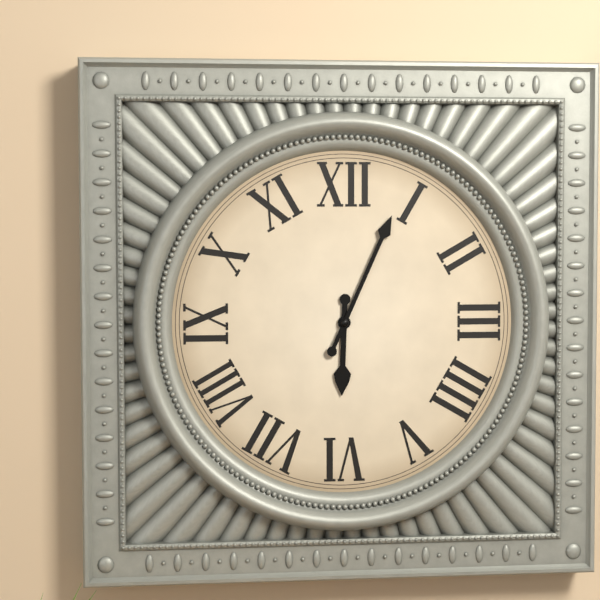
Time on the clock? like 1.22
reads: 6.04
